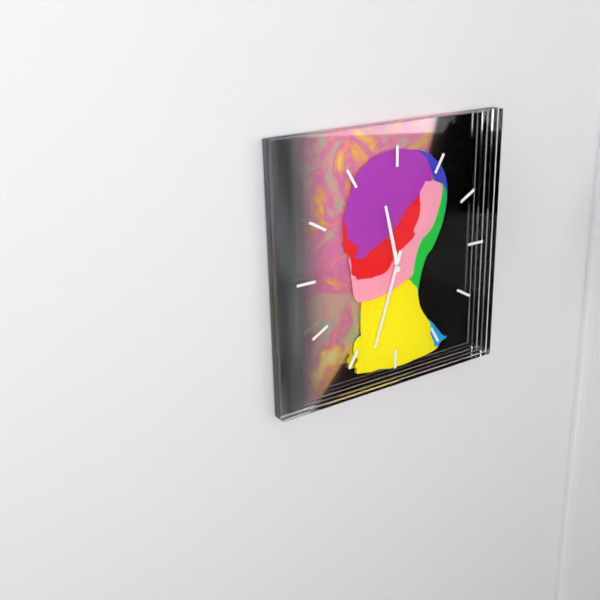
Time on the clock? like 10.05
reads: 11.33
